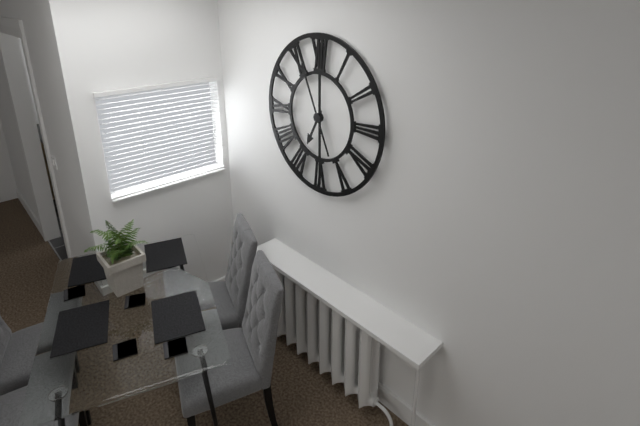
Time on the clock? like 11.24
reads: 6.56
